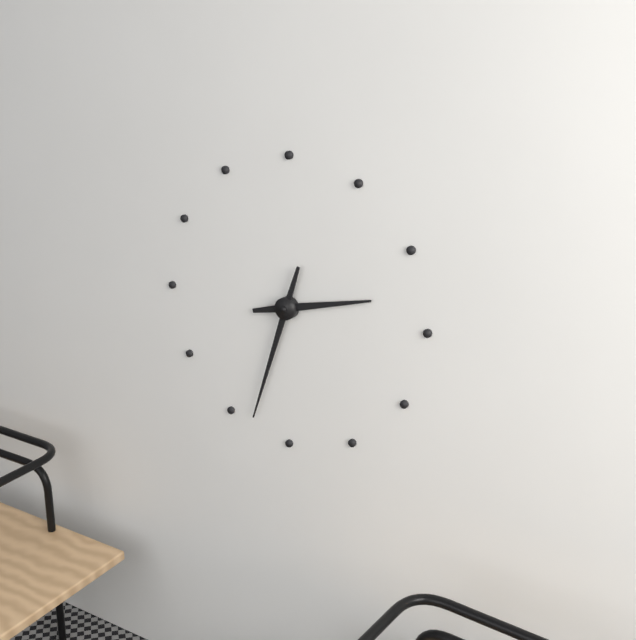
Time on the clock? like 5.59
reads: 2.33
